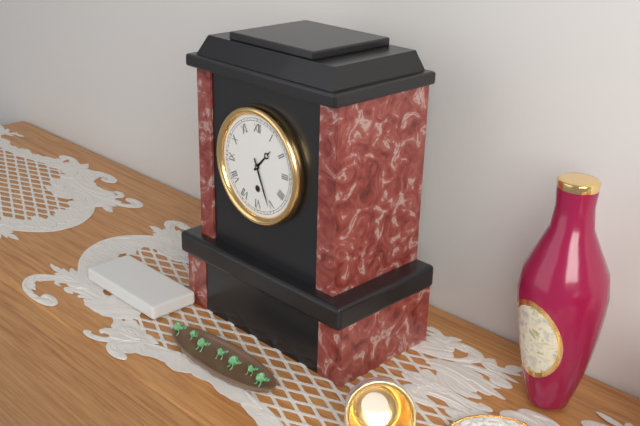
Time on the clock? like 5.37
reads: 1.26
